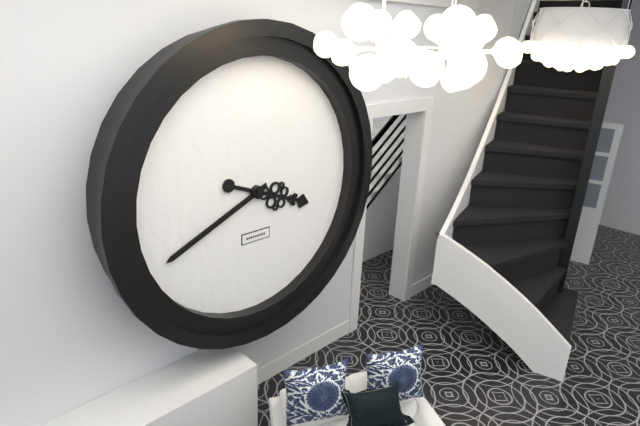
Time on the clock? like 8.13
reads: 3.41
